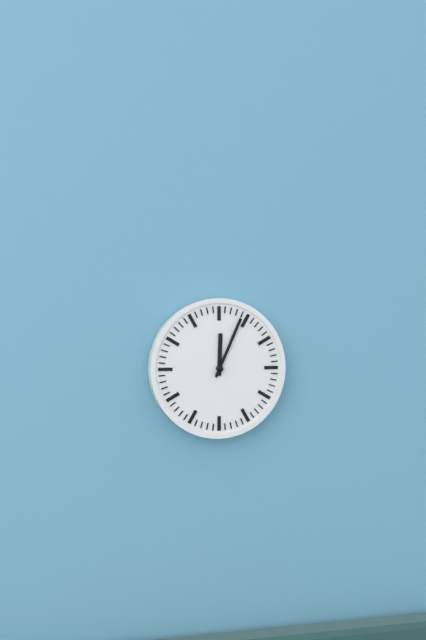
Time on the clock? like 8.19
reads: 12.04
